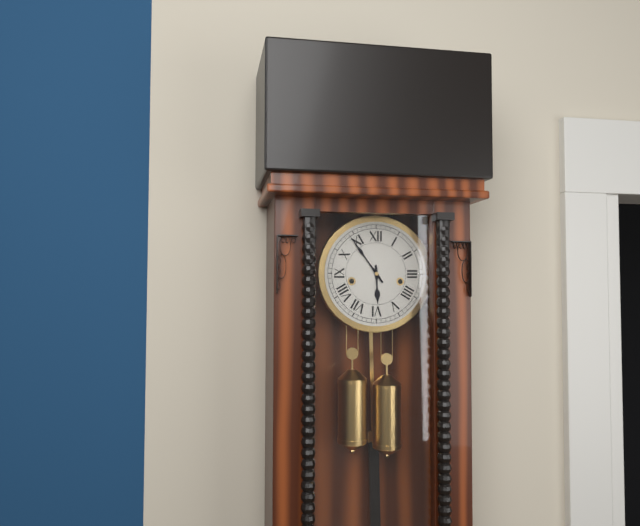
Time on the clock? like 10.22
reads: 5.54
